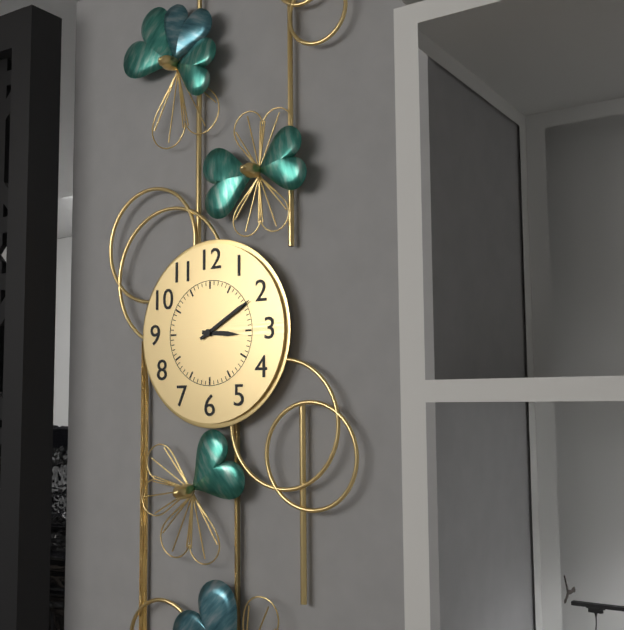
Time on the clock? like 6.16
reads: 3.10
